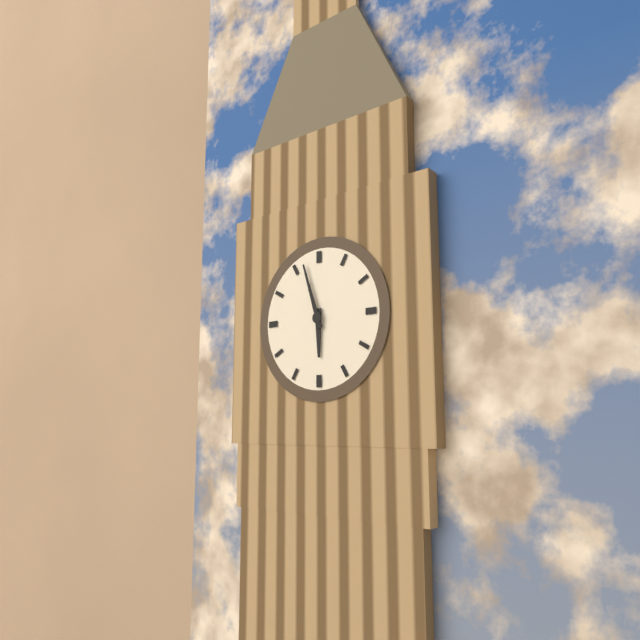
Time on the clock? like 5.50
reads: 5.57
